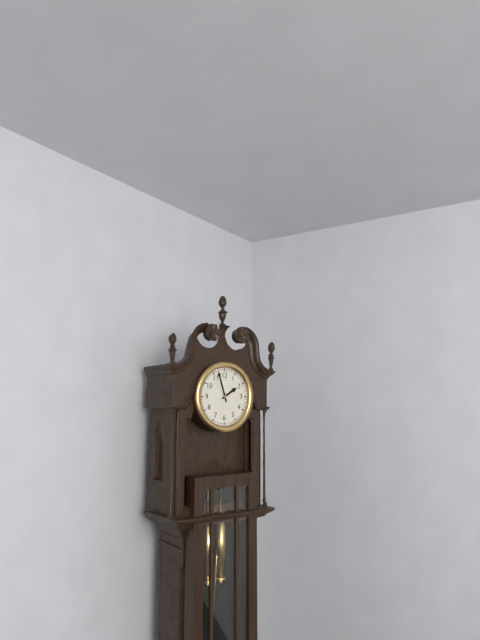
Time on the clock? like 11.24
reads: 1.57
